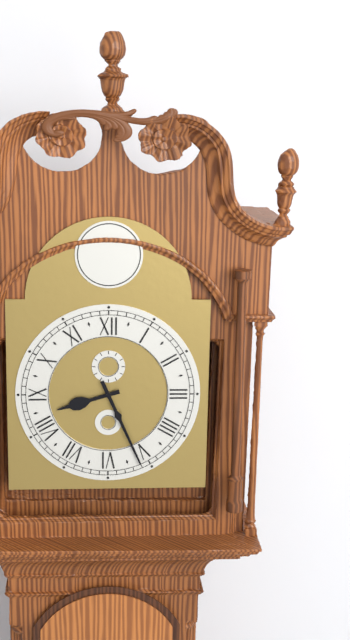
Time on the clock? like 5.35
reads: 8.26
